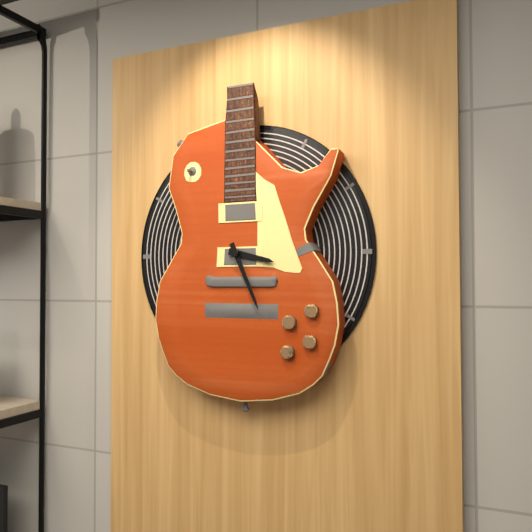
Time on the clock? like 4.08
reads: 3.26
